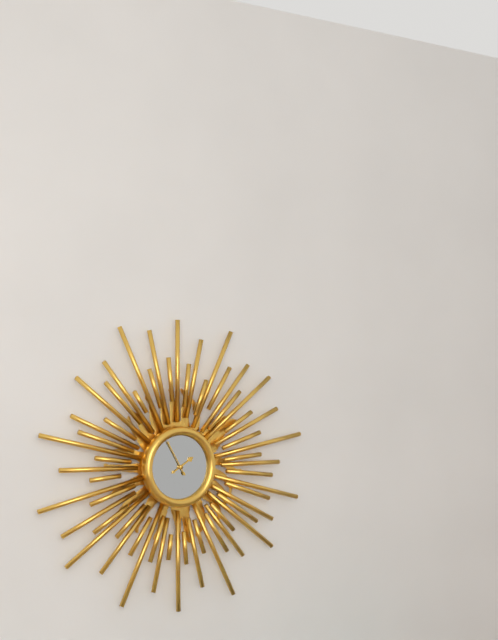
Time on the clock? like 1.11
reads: 1.55
